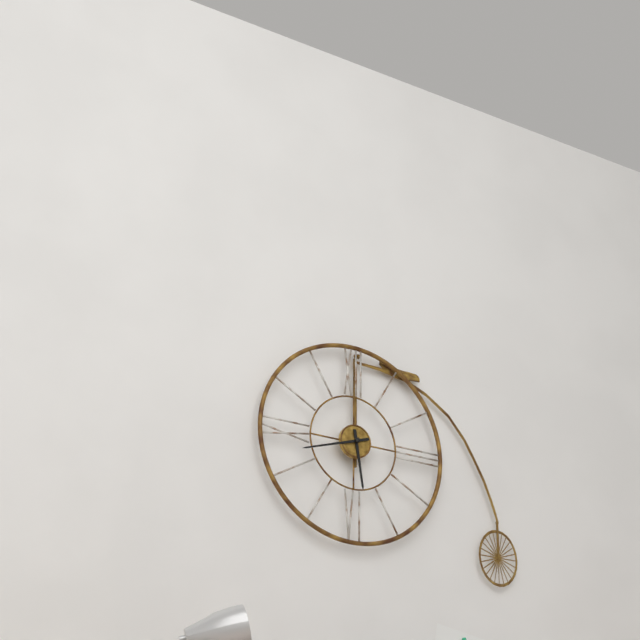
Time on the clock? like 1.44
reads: 5.42
